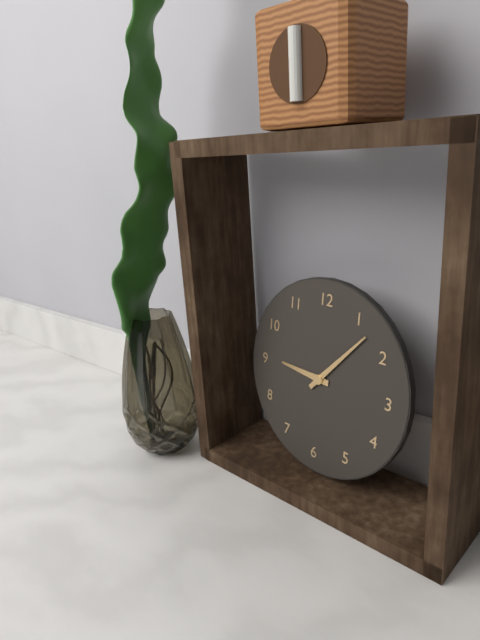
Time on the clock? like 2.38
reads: 9.07
